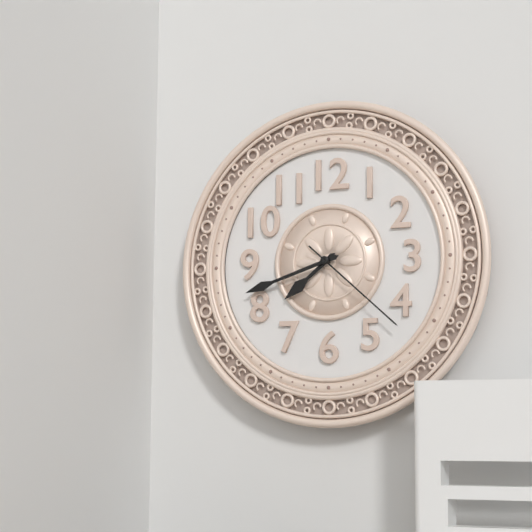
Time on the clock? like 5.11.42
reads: 7.42.22
